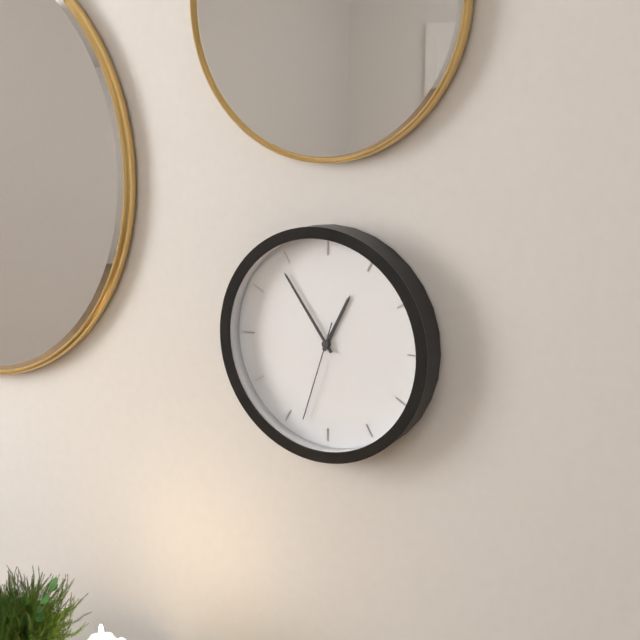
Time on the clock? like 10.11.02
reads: 12.54.33
